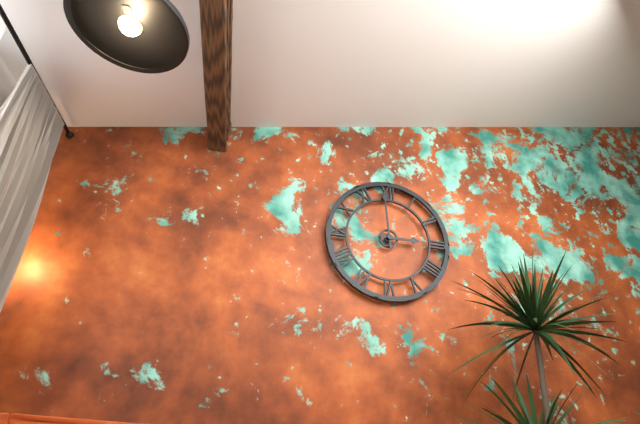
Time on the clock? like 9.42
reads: 2.59
